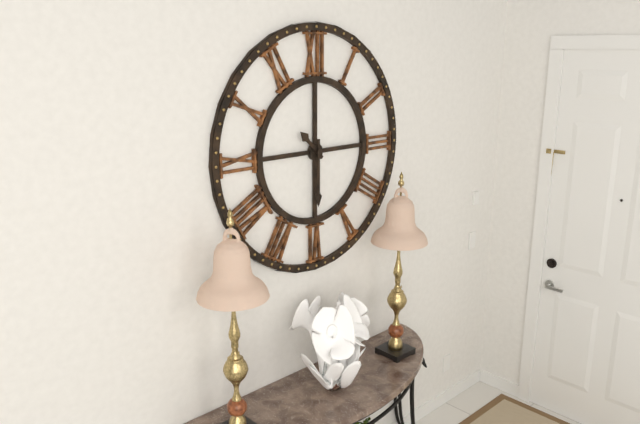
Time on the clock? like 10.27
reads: 10.30
